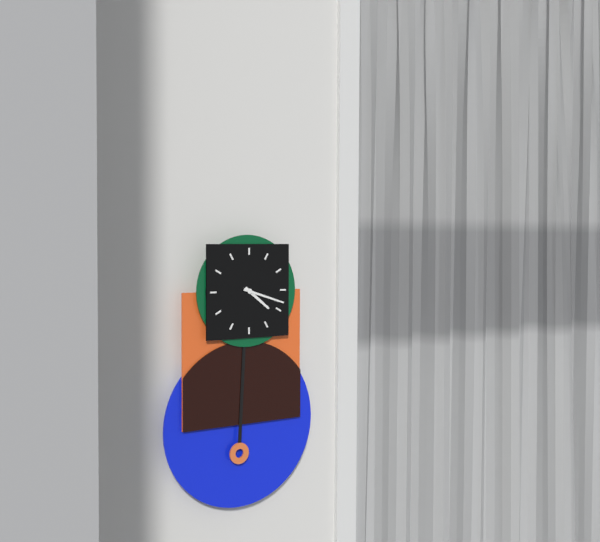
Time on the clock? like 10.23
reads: 4.18
